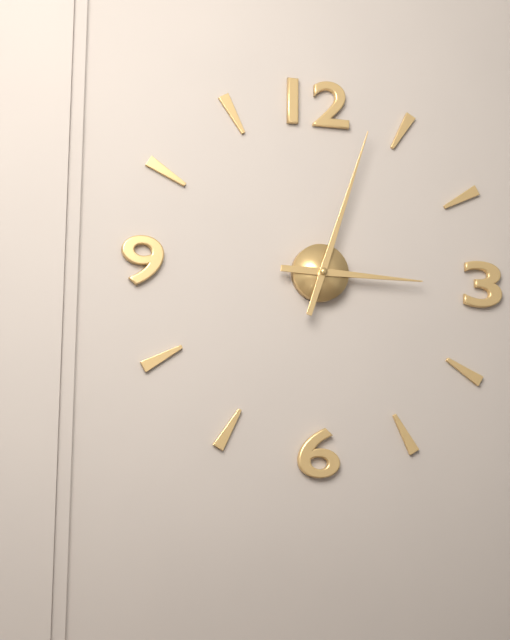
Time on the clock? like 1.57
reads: 3.03
